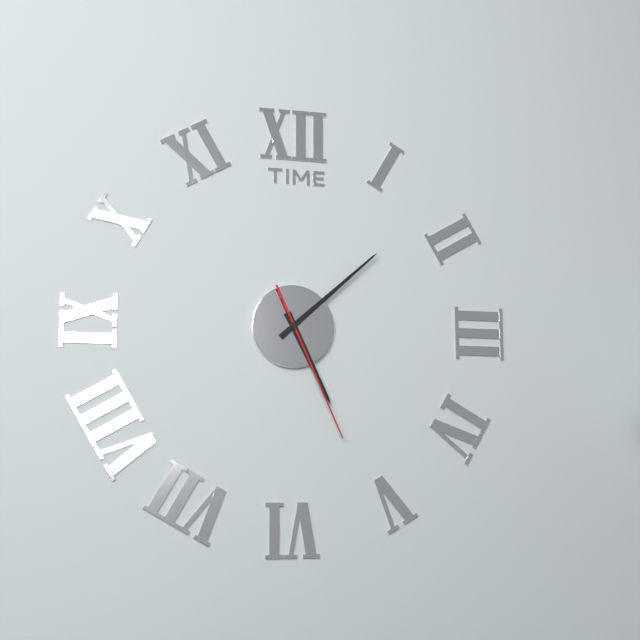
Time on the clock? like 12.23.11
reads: 5.08.26
